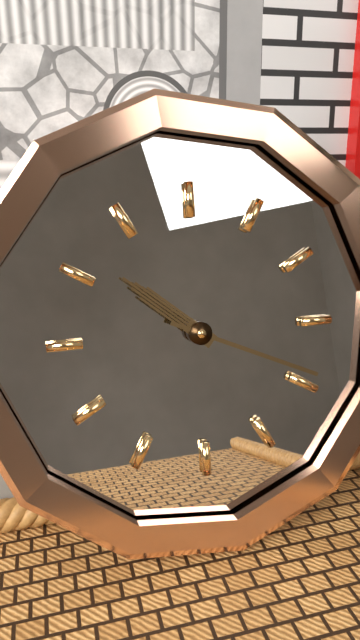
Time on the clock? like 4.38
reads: 10.19
